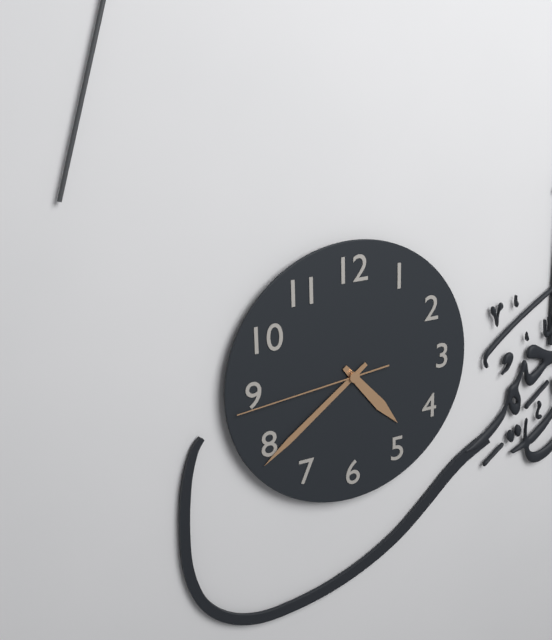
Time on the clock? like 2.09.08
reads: 4.39.44
